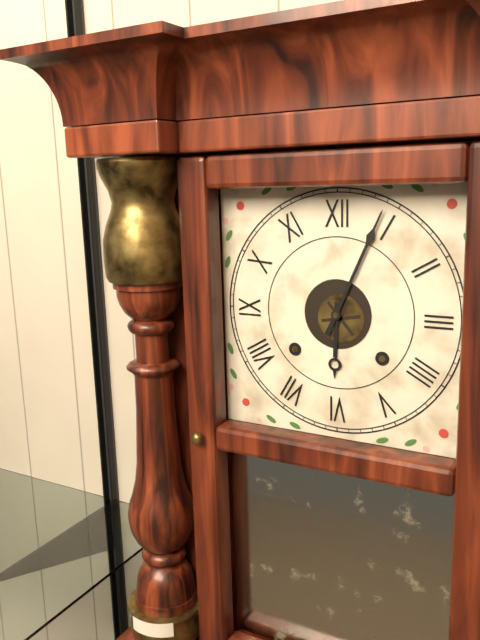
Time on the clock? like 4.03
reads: 6.04
